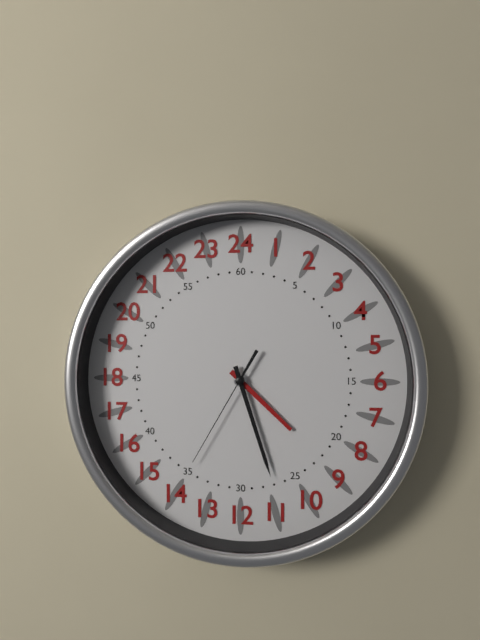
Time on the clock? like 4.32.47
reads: 4.27.35
